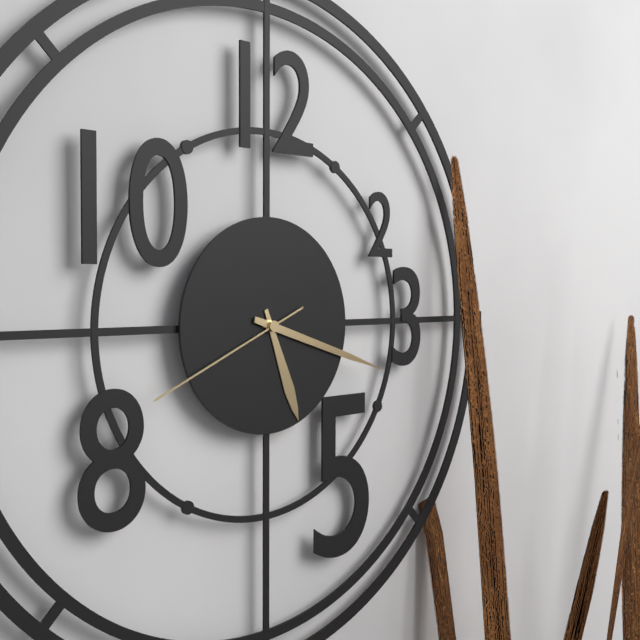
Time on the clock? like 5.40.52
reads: 5.18.41
